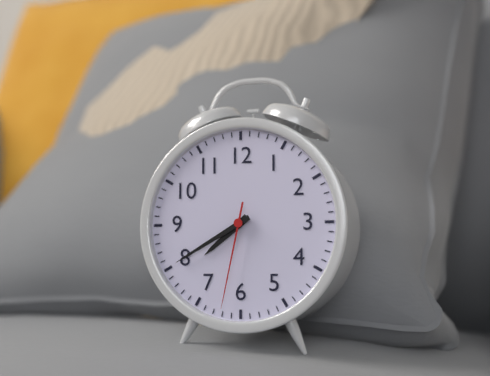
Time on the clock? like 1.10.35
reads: 7.40.32
